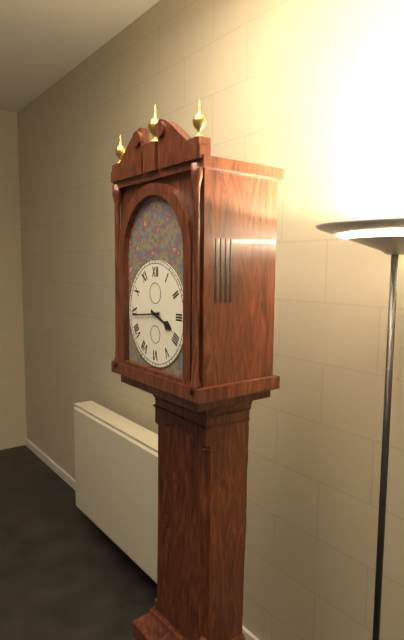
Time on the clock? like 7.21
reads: 3.44
